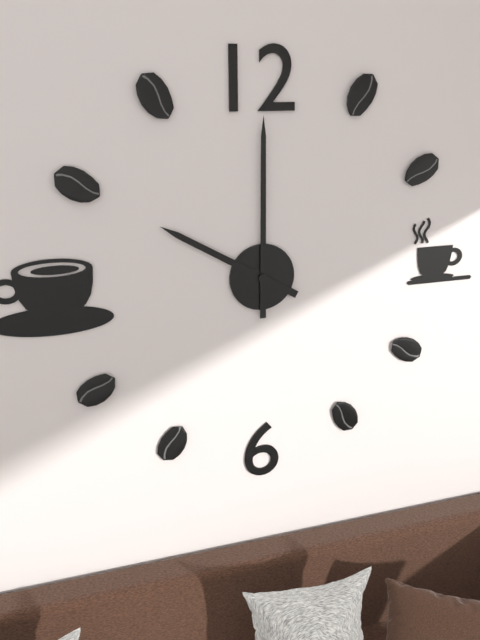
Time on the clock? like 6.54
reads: 10.00
